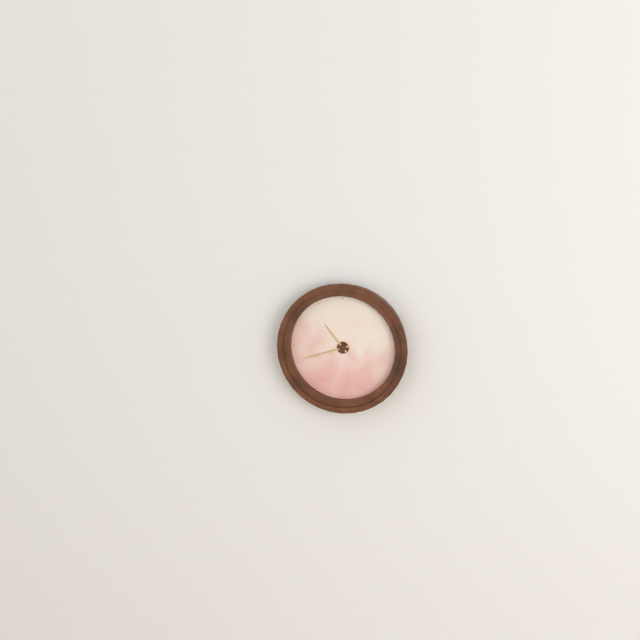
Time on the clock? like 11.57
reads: 10.42
